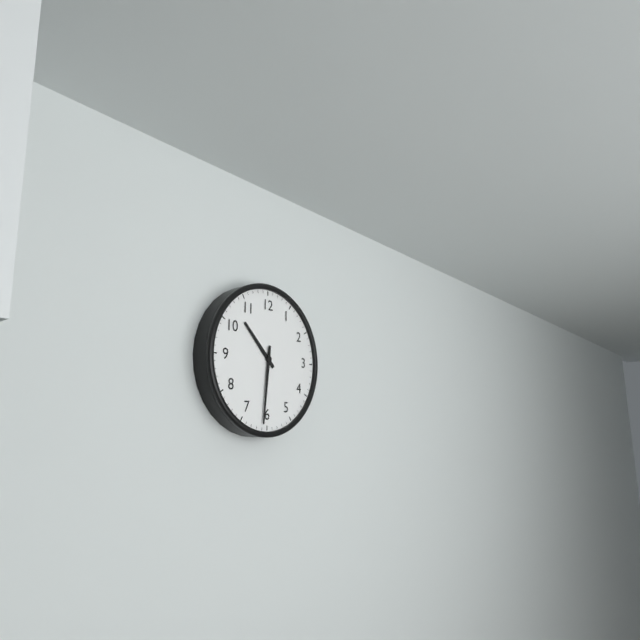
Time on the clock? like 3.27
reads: 10.31
